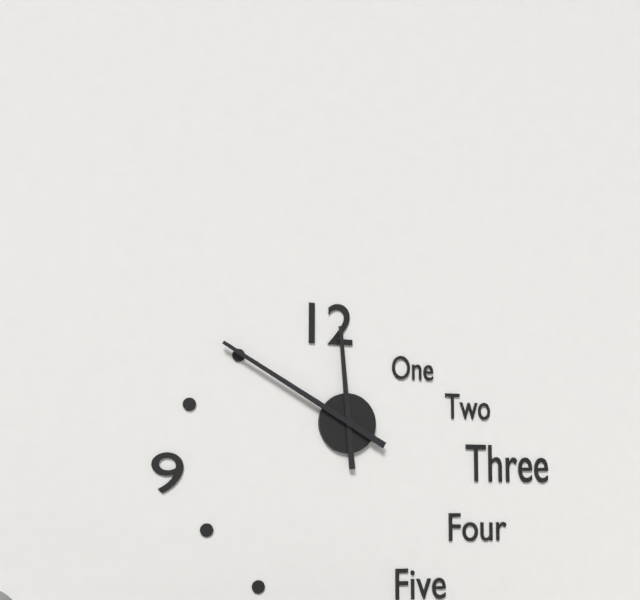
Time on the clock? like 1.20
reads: 11.50
